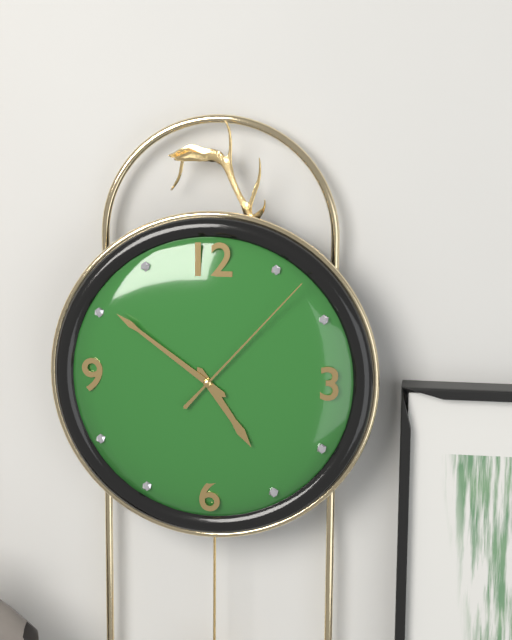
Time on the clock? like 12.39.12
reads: 4.51.07
